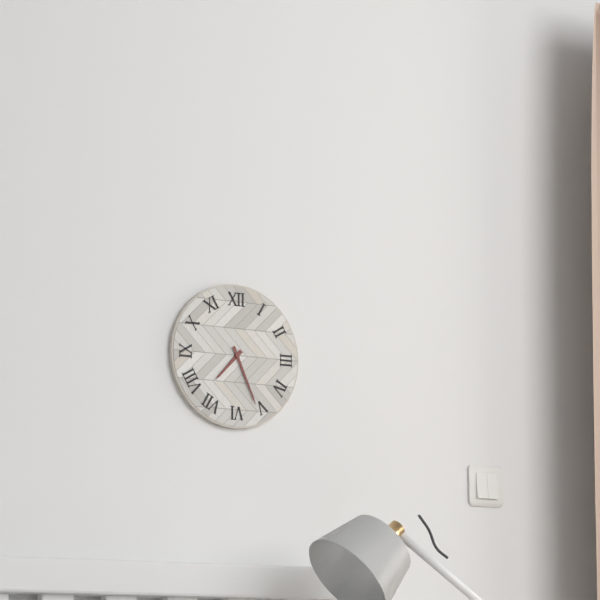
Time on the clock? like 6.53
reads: 7.26
